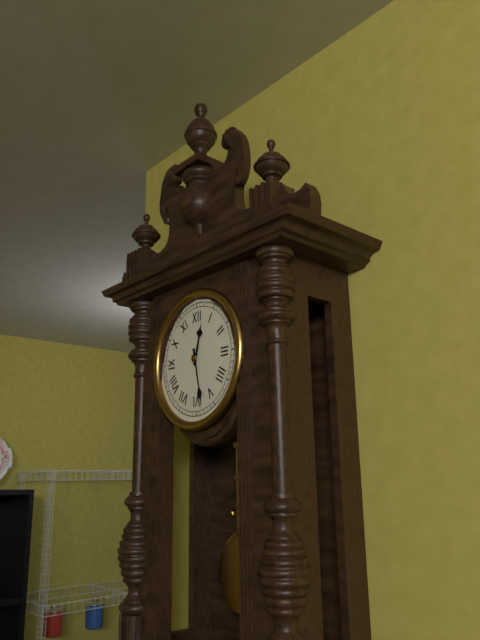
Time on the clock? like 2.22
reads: 12.28
